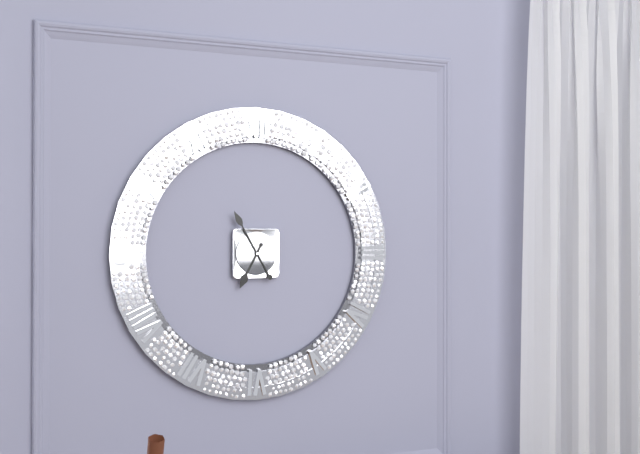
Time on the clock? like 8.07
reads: 6.55
